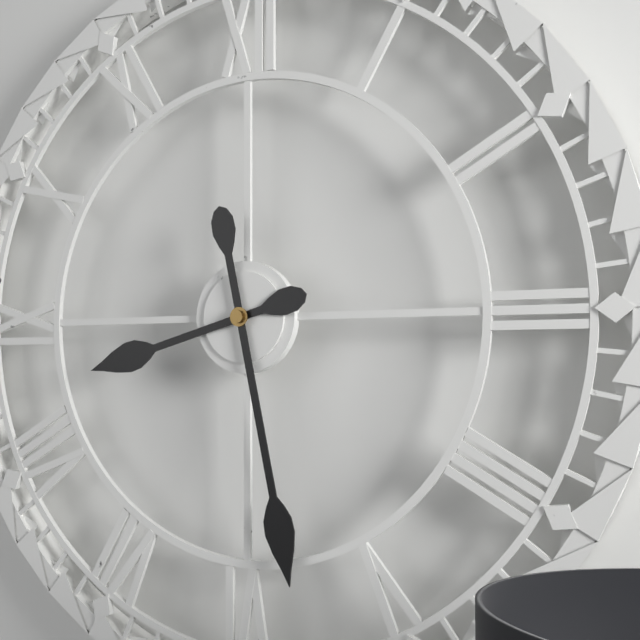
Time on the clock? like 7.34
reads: 8.28
